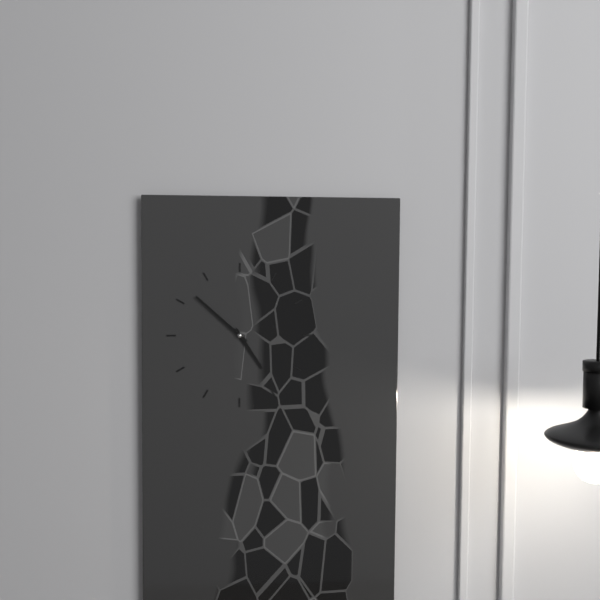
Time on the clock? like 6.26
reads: 4.52
